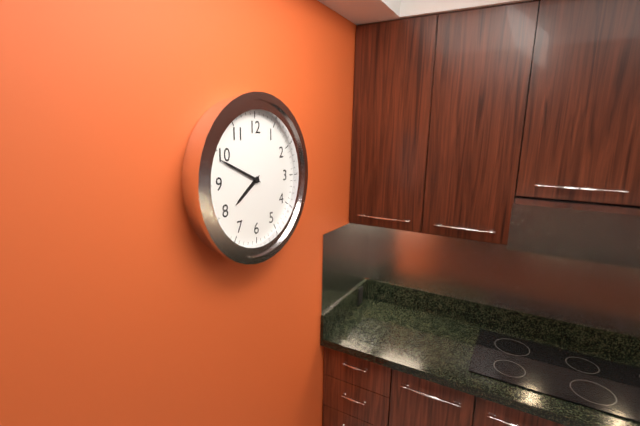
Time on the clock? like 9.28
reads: 7.49
